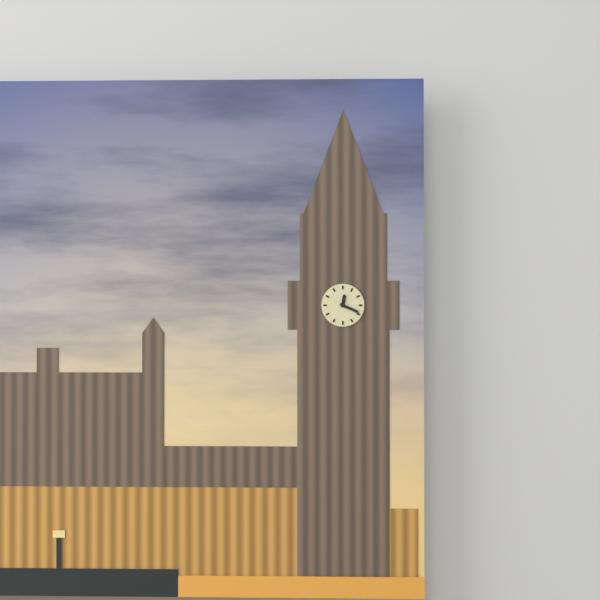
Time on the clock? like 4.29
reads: 12.19
